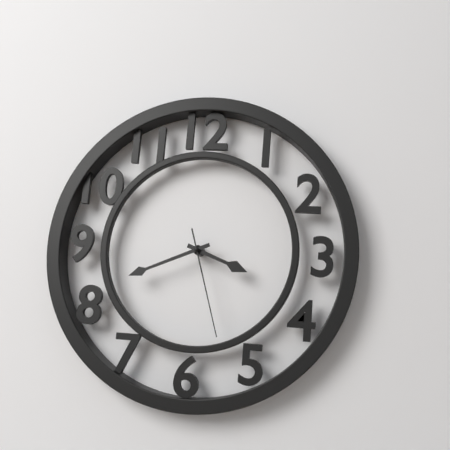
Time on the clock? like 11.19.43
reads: 3.41.27
